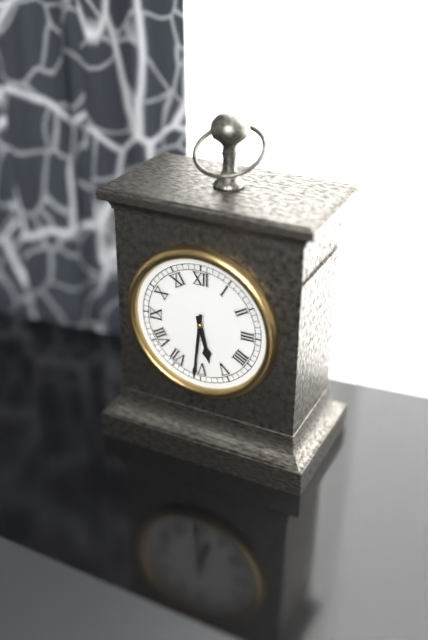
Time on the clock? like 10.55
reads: 5.31
